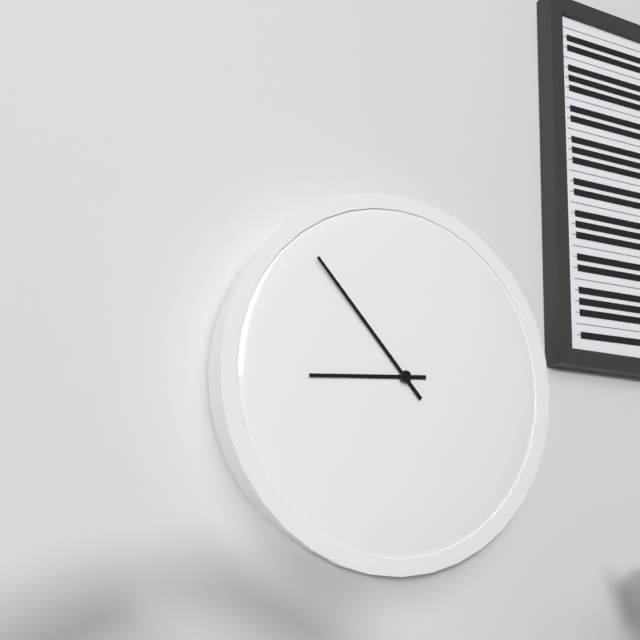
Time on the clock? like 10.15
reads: 8.53
